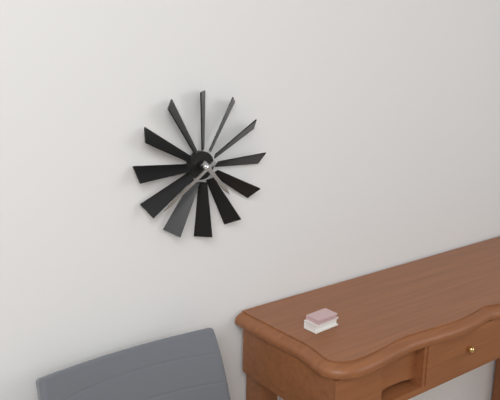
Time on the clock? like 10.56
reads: 4.39
